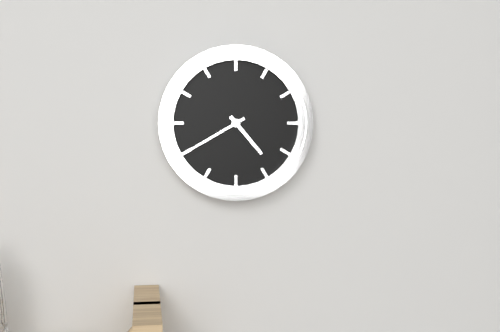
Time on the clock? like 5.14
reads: 4.40
